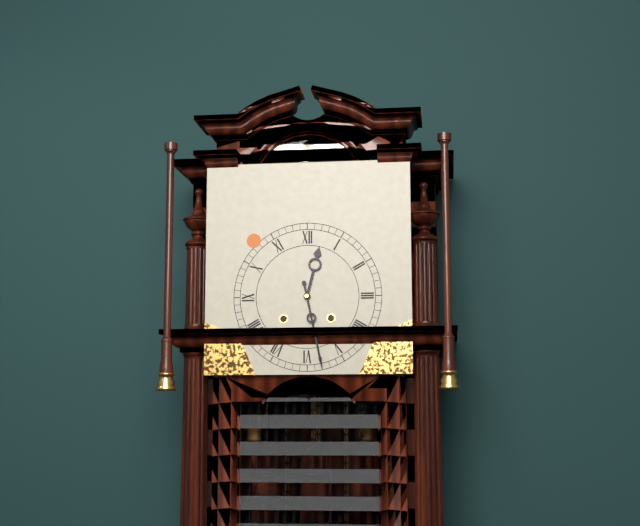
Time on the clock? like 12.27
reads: 12.28
